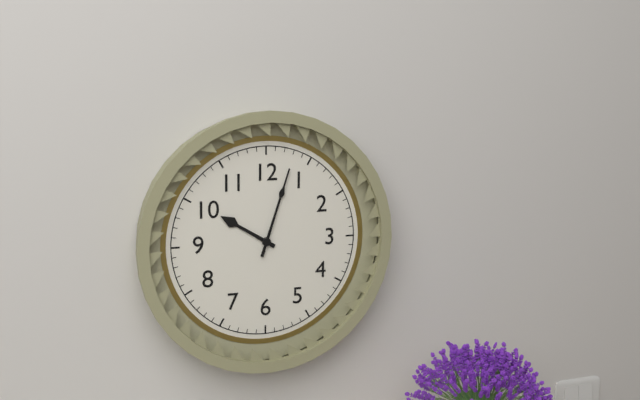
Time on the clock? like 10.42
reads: 10.03
